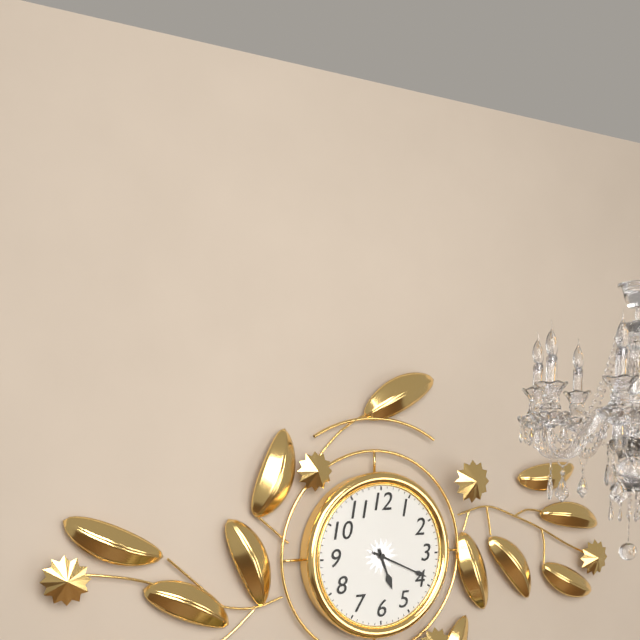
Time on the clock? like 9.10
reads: 5.19
